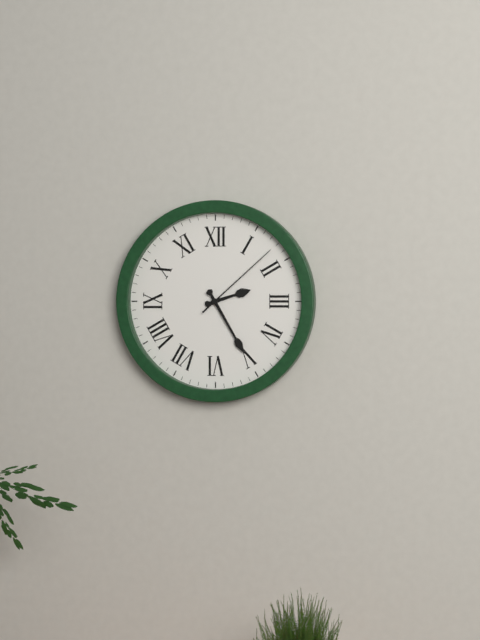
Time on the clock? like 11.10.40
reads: 2.25.08
